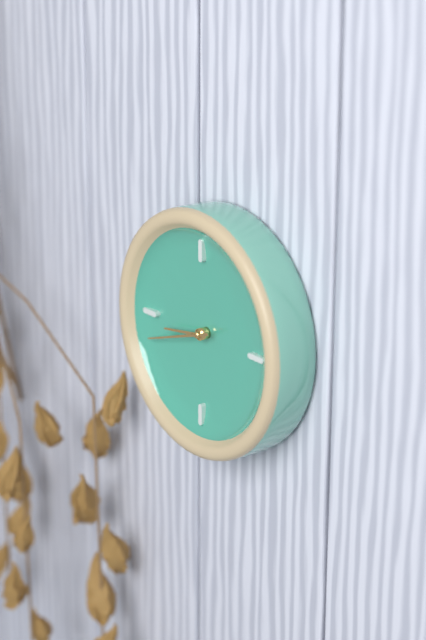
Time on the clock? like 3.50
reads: 8.42
